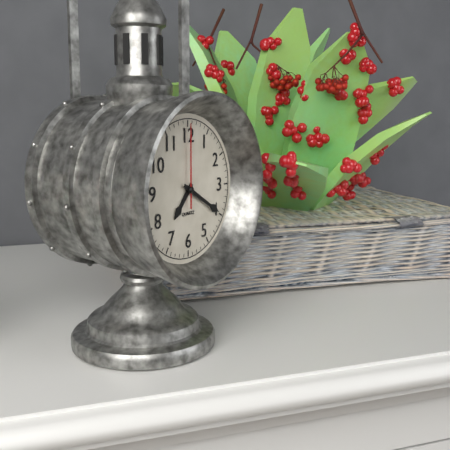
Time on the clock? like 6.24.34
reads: 7.20.00
